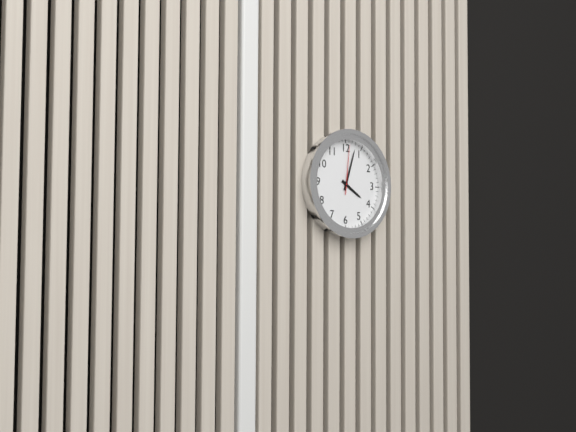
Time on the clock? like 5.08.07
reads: 4.03.01
